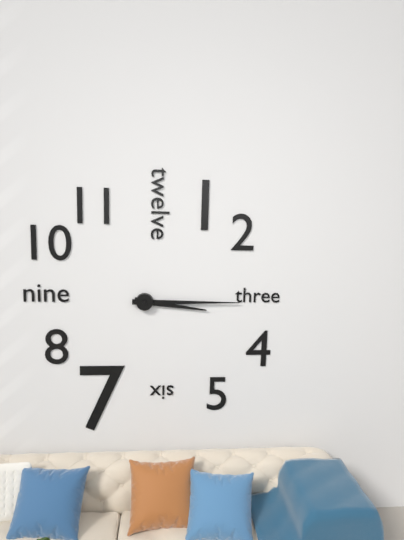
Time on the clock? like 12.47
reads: 3.15
